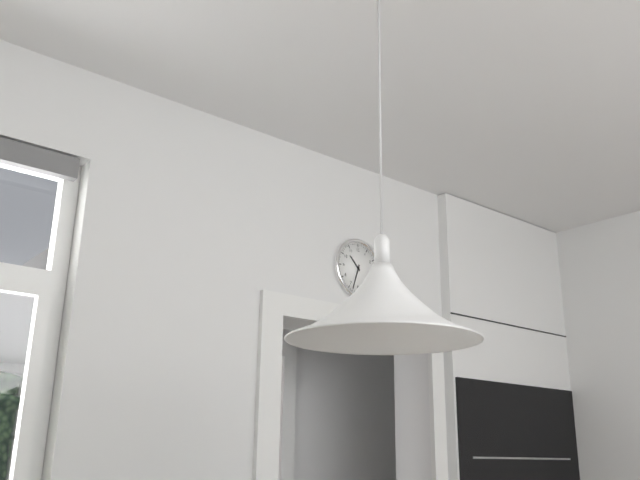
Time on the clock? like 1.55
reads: 10.33
